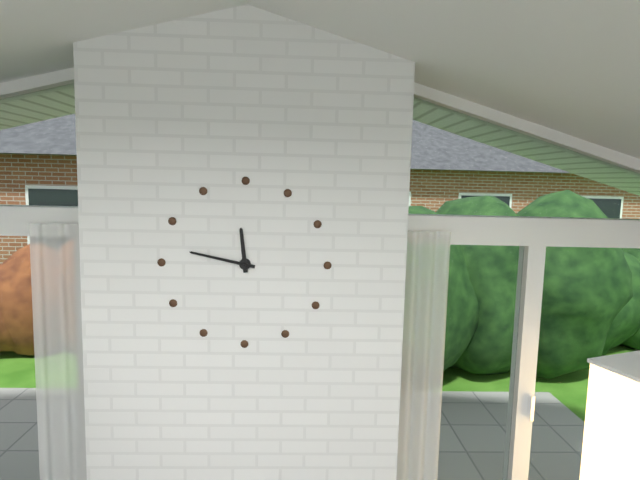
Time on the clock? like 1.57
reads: 11.47
